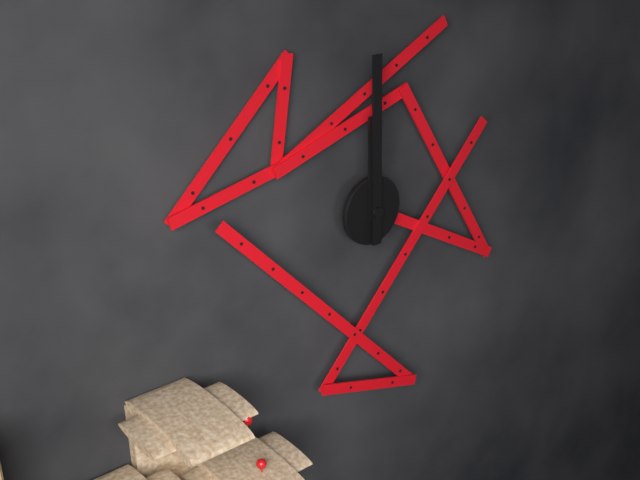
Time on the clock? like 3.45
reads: 12.00
